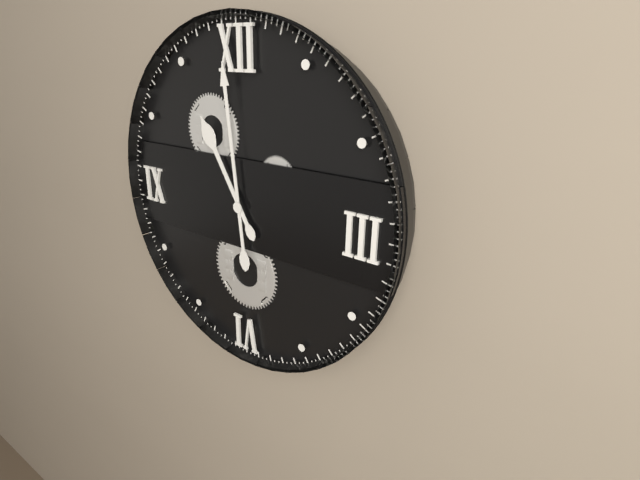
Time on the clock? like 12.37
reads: 10.59
